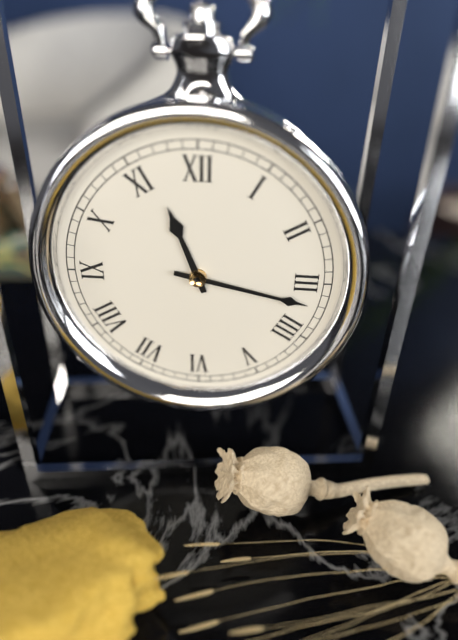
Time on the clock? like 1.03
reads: 11.17
